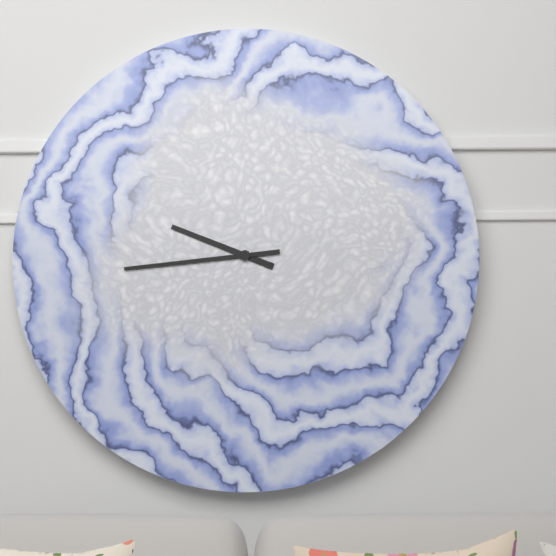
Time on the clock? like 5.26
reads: 9.44
